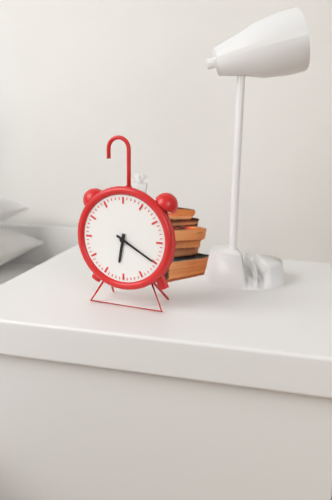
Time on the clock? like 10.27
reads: 6.20
